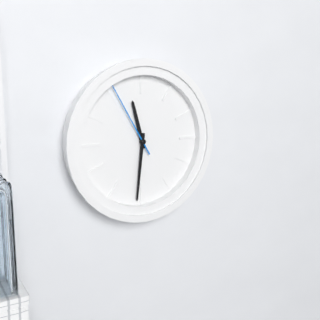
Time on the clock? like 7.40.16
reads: 11.31.55
